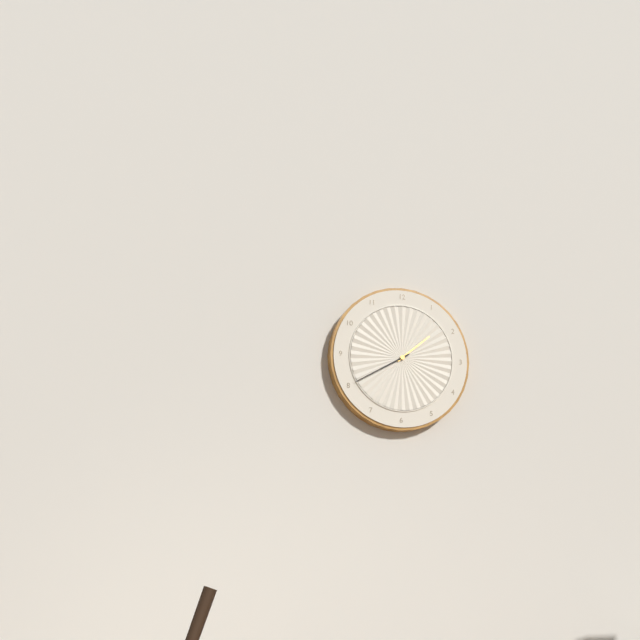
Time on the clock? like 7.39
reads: 1.40
